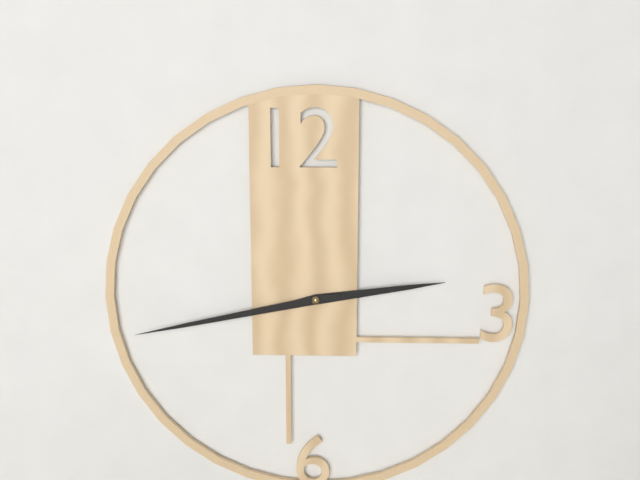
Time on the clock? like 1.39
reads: 2.43
